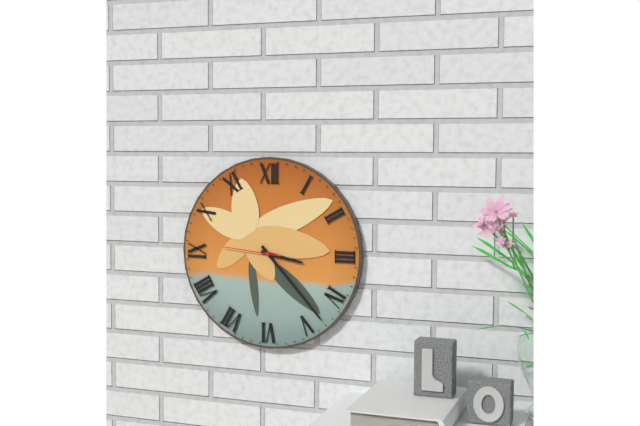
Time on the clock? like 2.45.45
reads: 3.23.46
